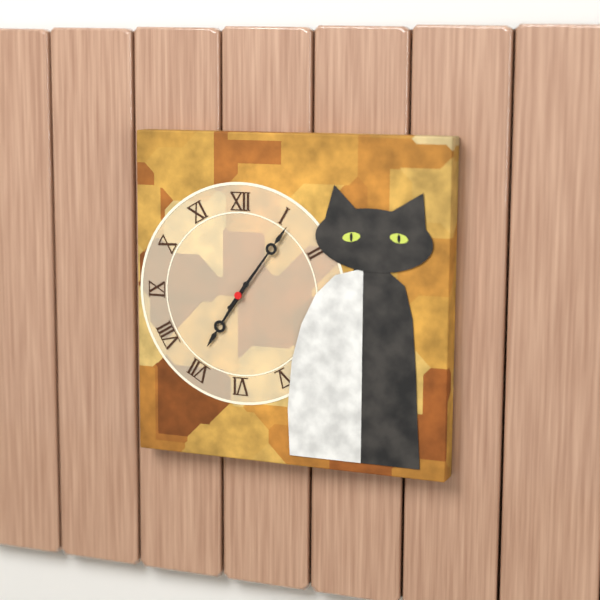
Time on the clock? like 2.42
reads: 7.06
